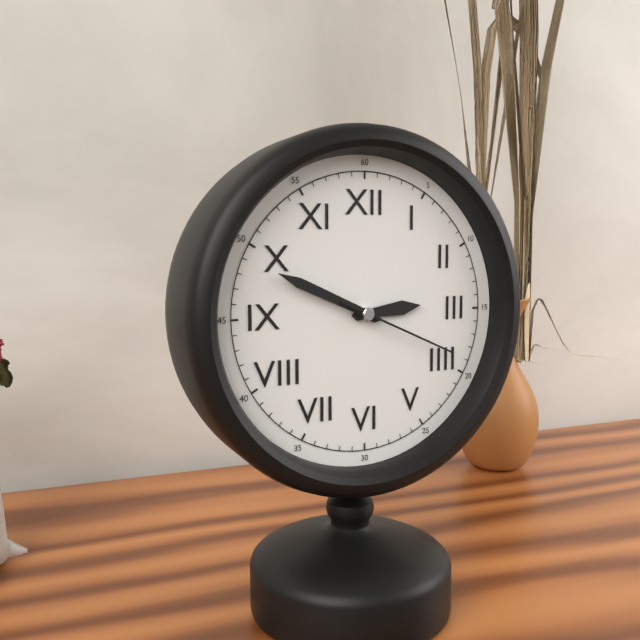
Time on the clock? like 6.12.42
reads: 2.49.19
